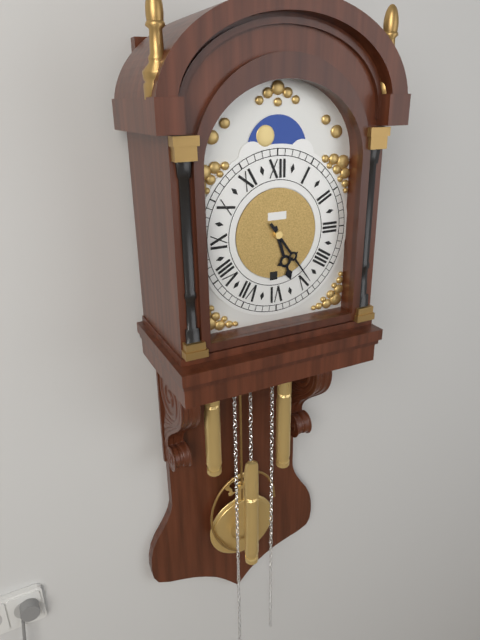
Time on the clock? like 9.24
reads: 5.24
